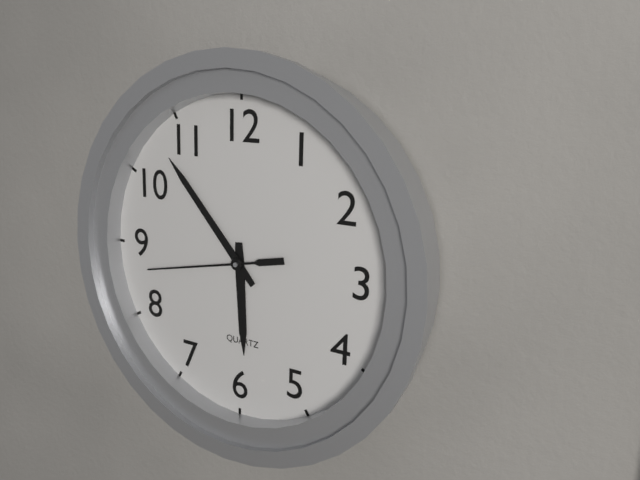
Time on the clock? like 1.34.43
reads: 5.53.43
